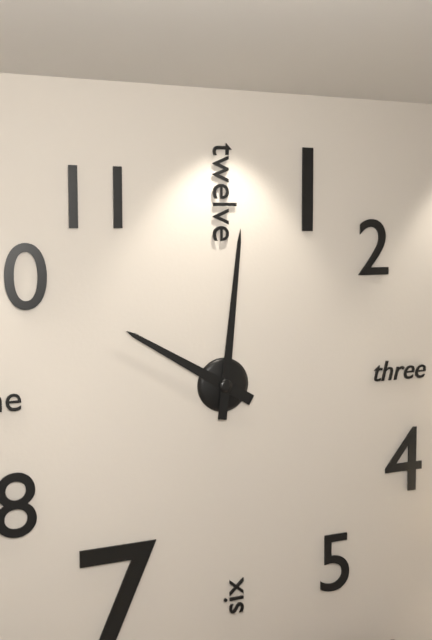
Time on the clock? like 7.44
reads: 10.01
